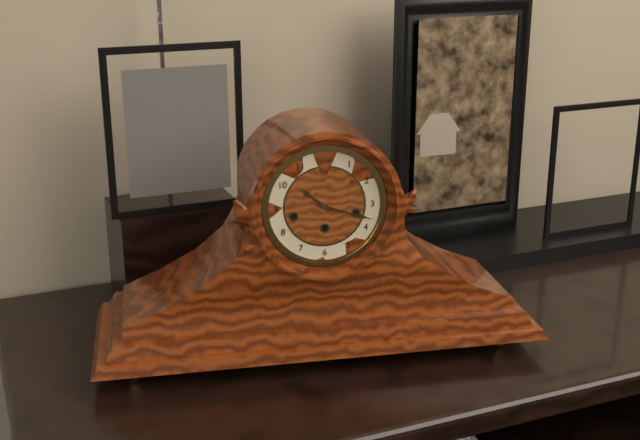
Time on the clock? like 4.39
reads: 10.18
